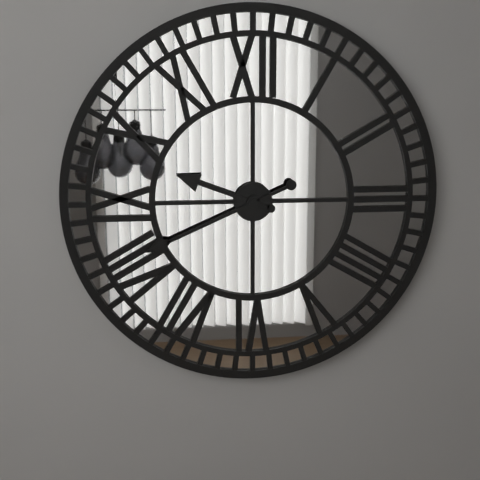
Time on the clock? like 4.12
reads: 9.41
